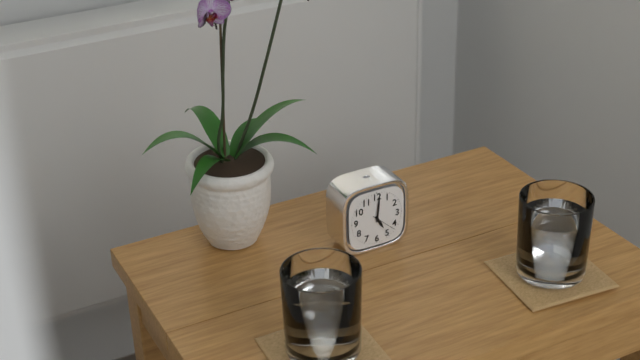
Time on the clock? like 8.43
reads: 5.01
